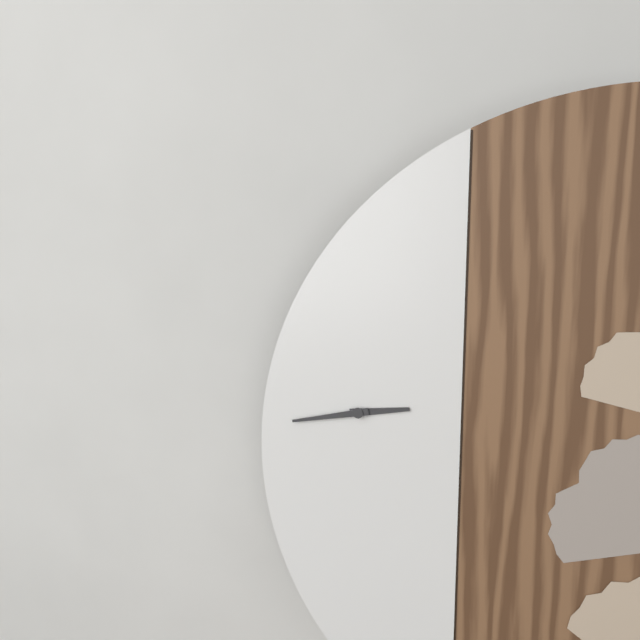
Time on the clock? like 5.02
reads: 2.43
